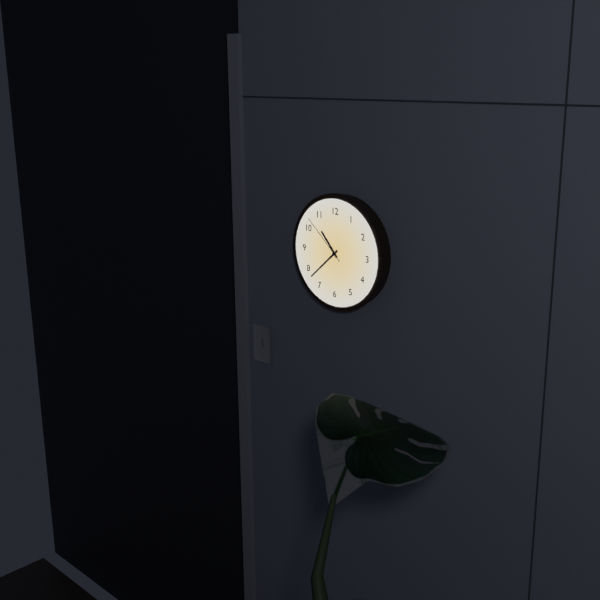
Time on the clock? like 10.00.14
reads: 10.38.52
